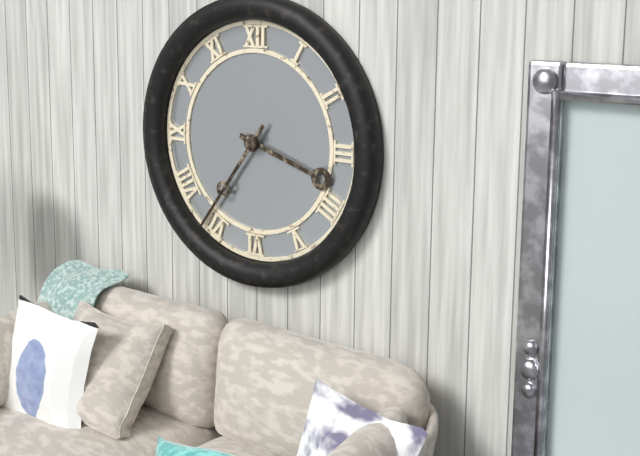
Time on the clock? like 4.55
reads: 3.36
